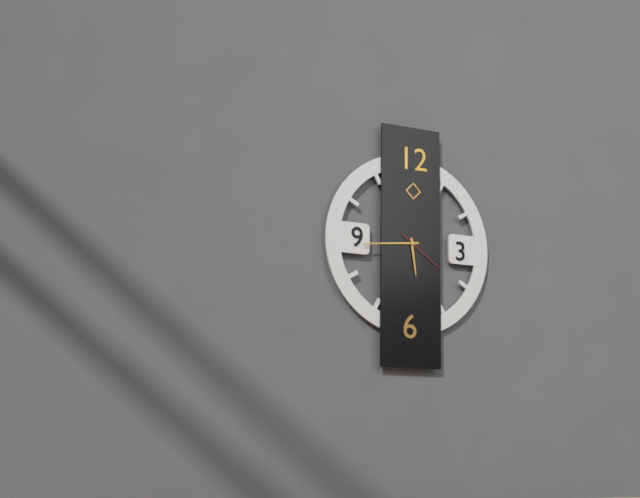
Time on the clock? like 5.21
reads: 5.44
